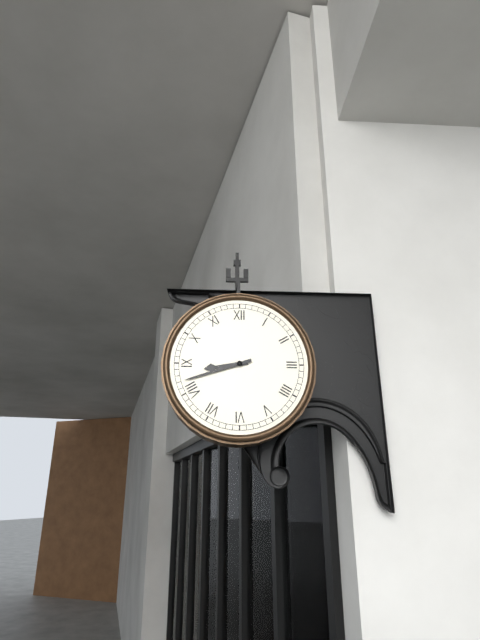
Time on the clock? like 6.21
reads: 8.42
